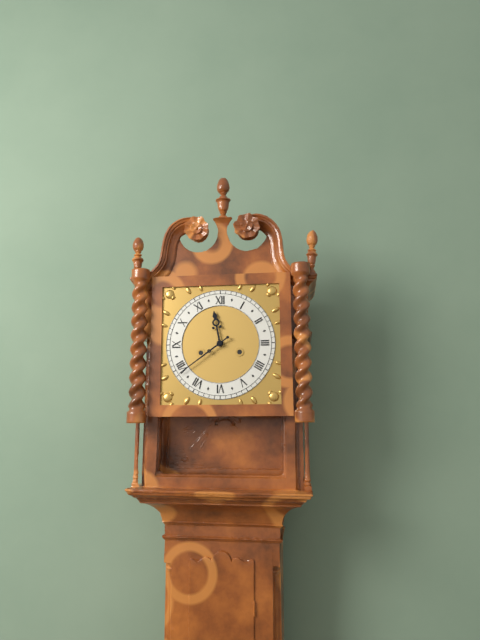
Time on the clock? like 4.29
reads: 11.39
